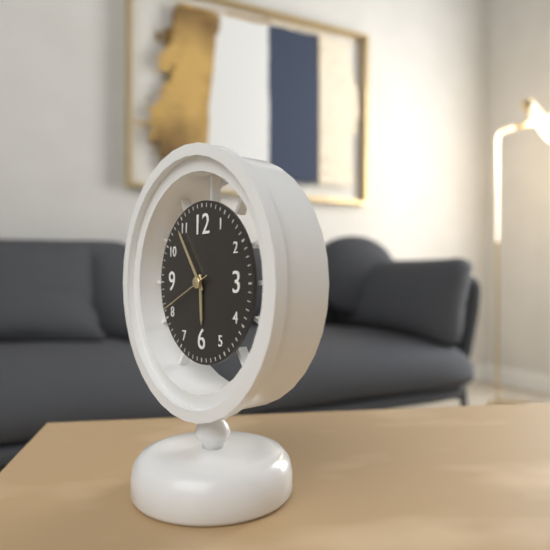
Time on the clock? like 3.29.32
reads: 5.54.41
